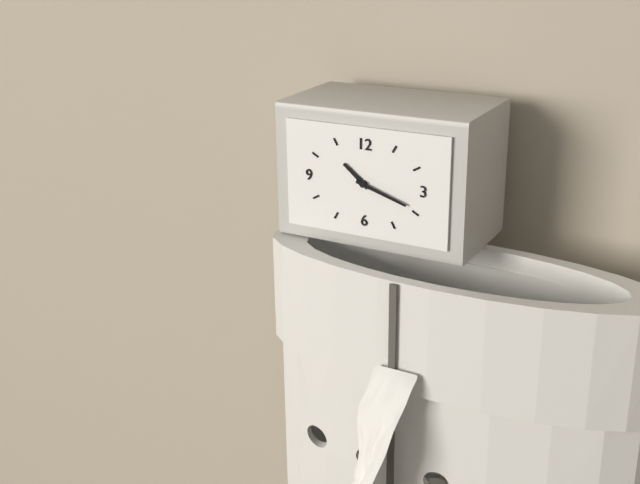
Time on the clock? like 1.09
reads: 10.18
